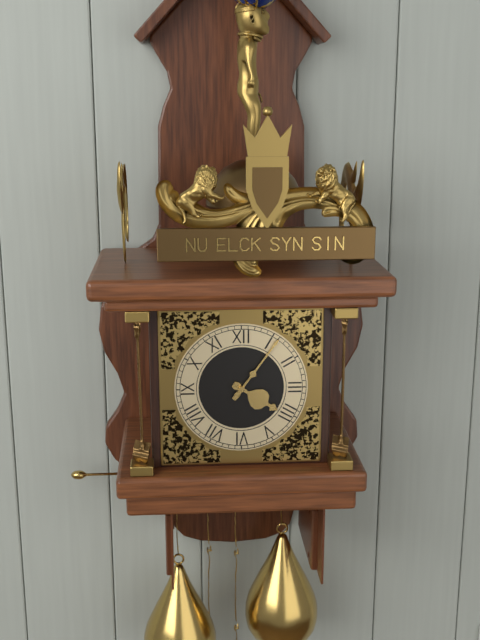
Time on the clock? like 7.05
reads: 4.06
